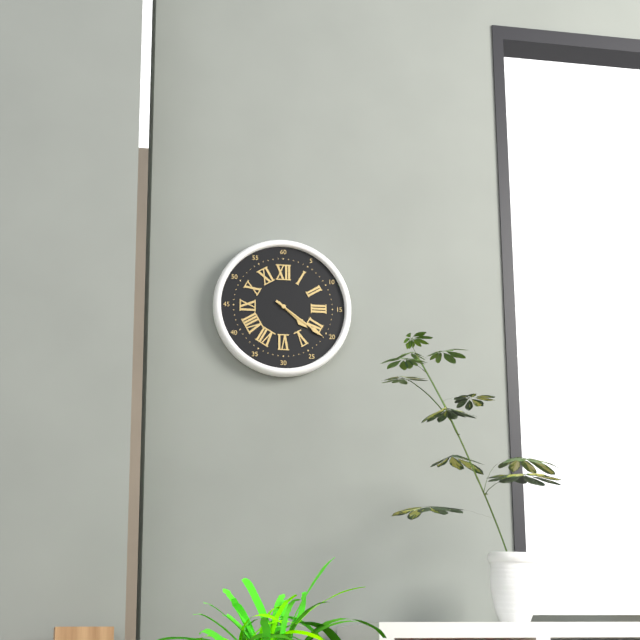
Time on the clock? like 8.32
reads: 4.21
